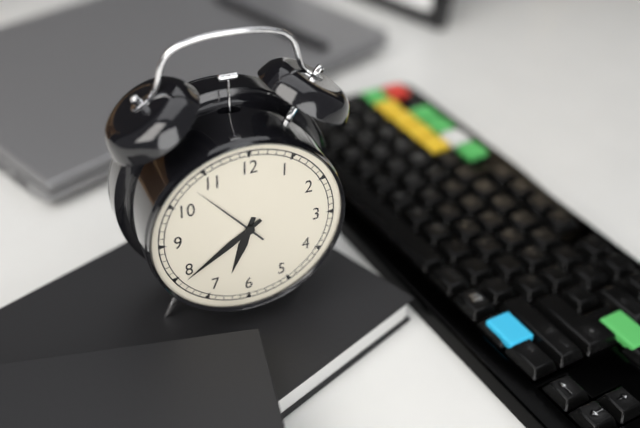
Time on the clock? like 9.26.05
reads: 6.39.53
